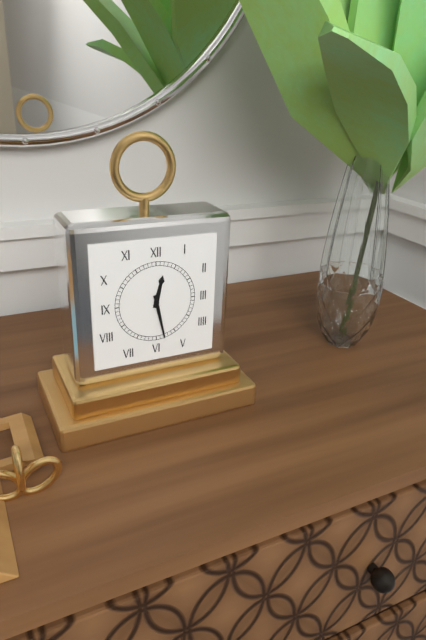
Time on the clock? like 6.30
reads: 12.28
